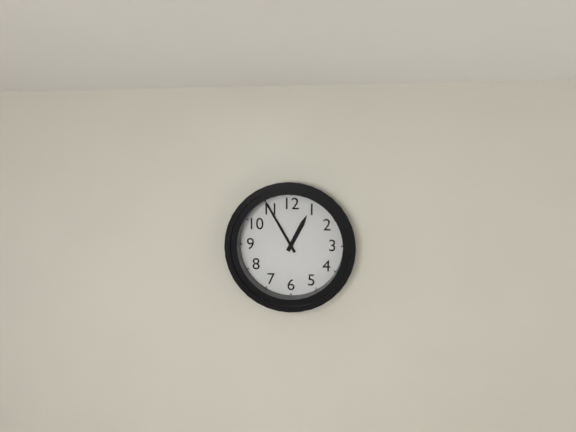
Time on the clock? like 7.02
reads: 12.55
